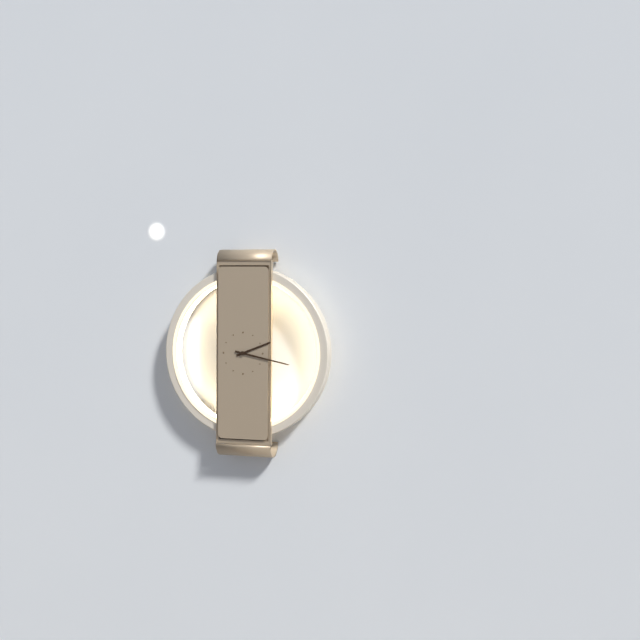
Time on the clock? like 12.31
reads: 2.17
